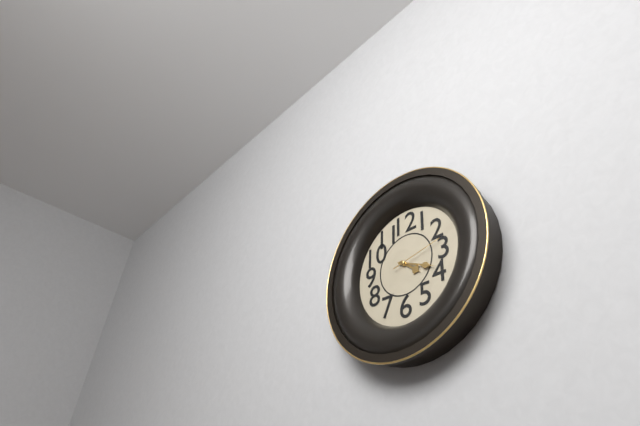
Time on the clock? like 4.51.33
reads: 4.19.13
